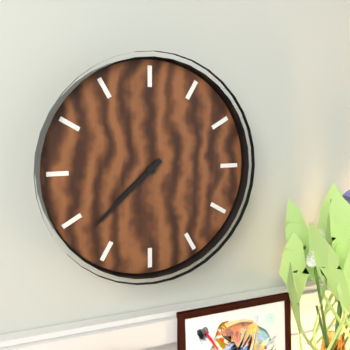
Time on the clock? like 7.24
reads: 7.38
